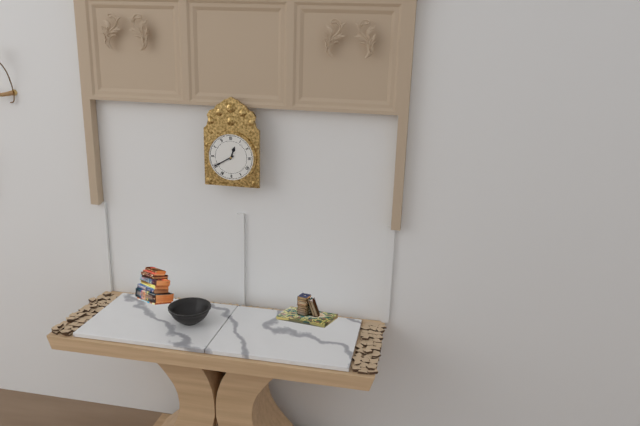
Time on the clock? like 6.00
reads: 12.40
